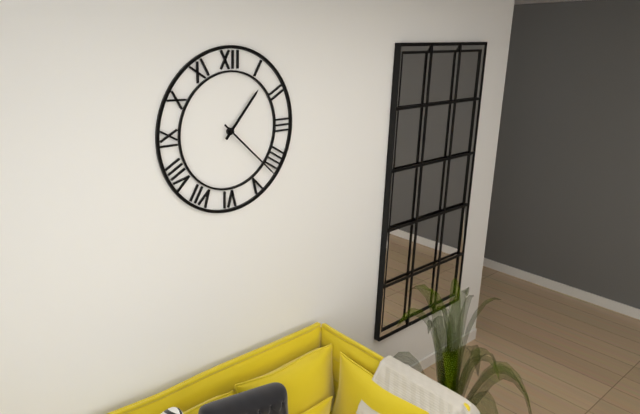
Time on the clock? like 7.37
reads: 1.22
